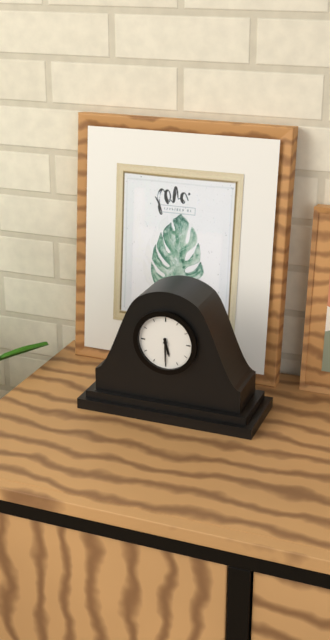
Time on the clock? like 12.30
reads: 5.30
